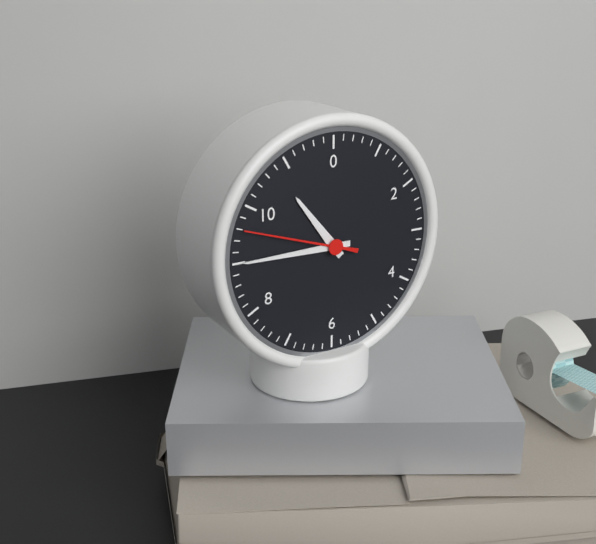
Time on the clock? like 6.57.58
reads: 10.45.48
